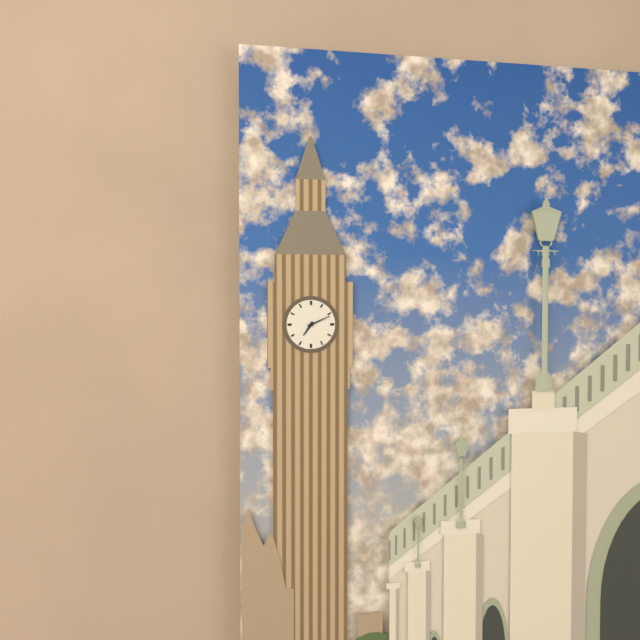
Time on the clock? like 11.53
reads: 7.11
